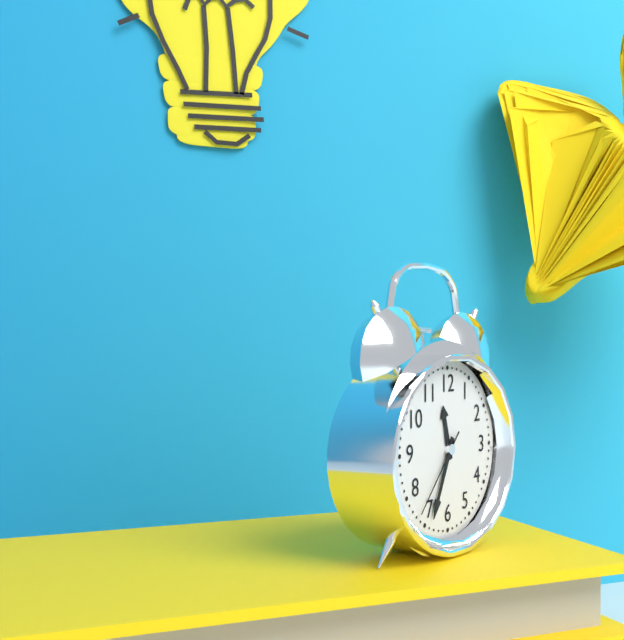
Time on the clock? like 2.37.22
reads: 11.34.37
